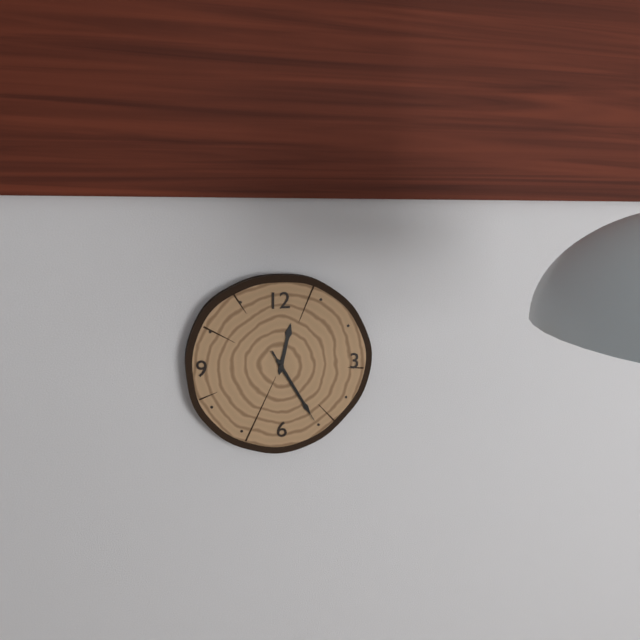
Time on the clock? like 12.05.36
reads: 12.25.25
